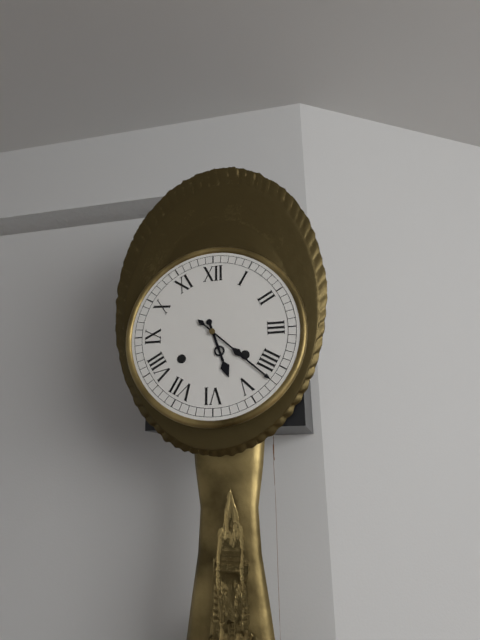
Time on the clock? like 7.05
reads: 5.22
